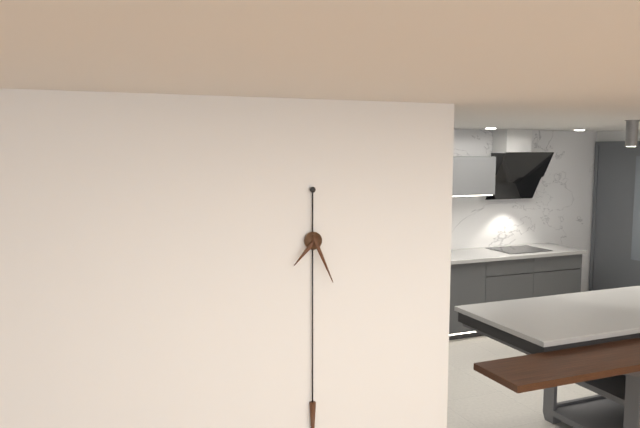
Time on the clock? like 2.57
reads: 7.26
